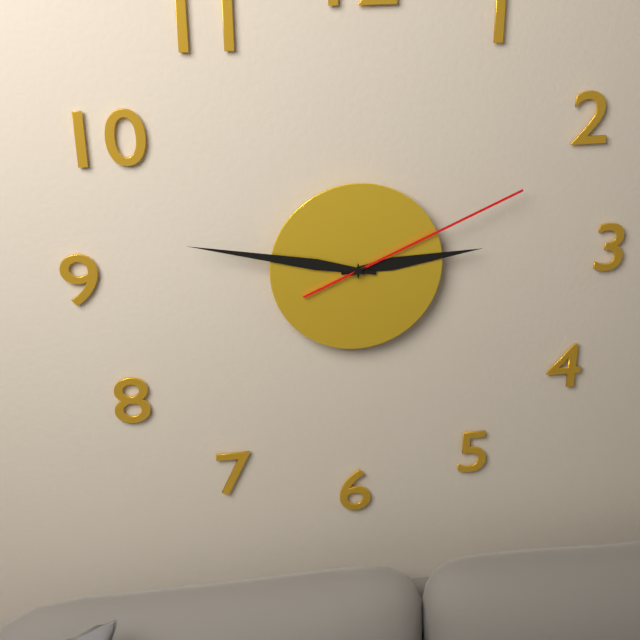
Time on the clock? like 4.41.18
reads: 2.47.11
